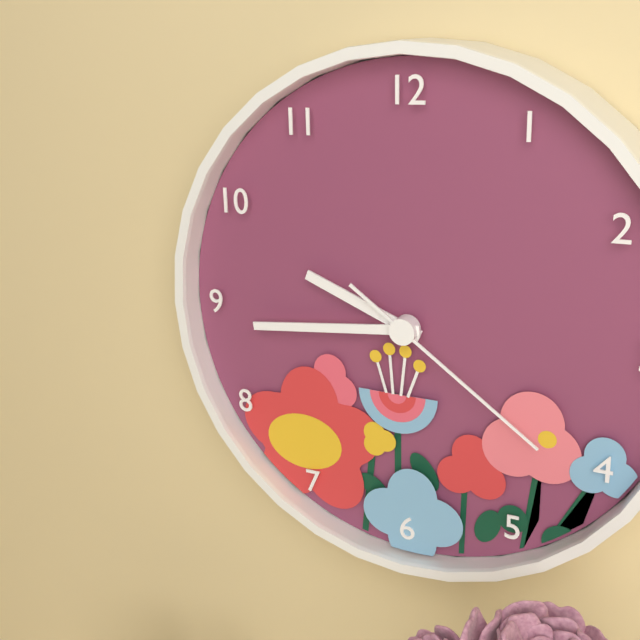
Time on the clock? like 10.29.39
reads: 9.44.21
